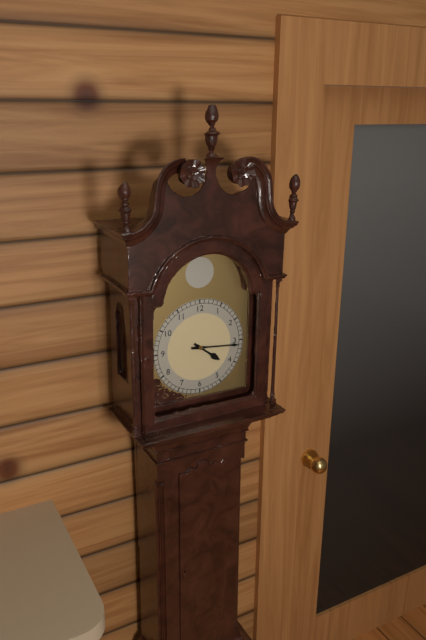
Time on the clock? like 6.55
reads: 4.16
